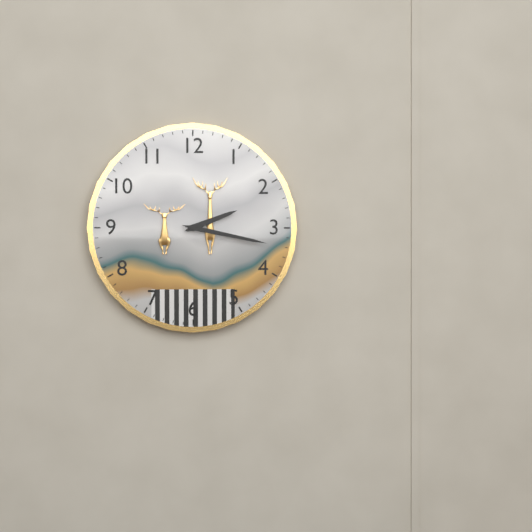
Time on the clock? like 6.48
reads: 2.17
